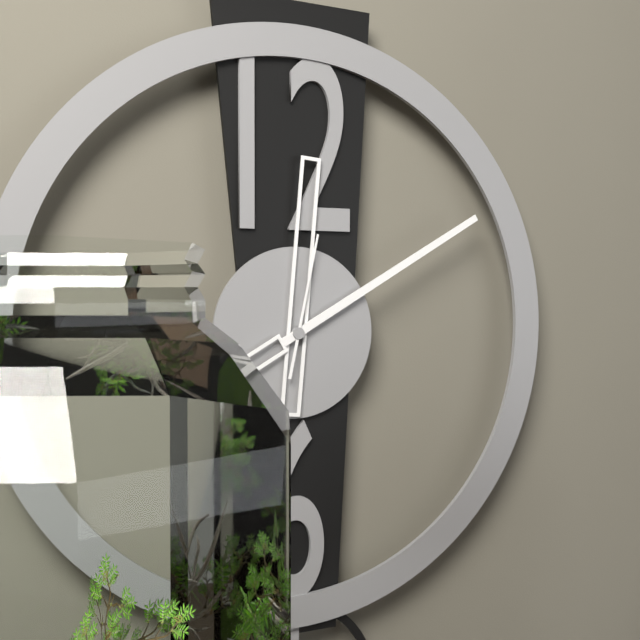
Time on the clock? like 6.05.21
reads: 12.10.02
